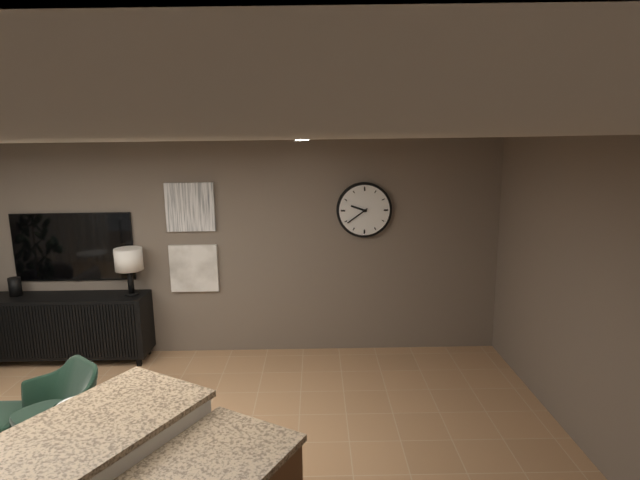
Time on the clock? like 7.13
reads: 9.39
